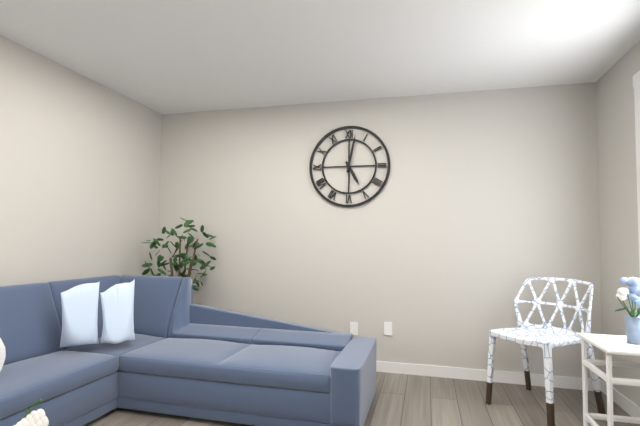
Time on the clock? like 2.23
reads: 5.02
